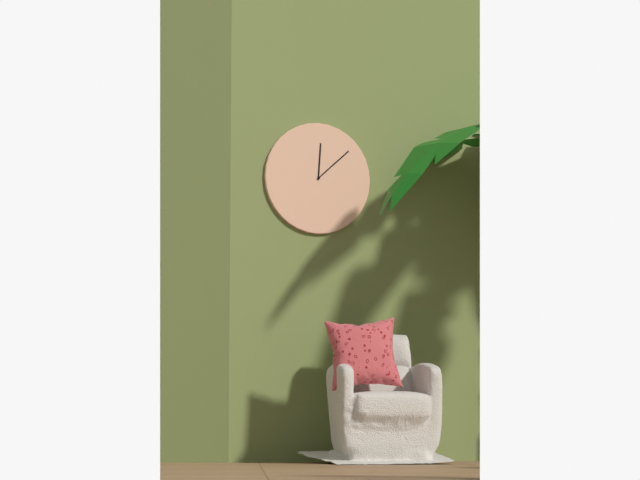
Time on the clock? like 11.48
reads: 12.08
